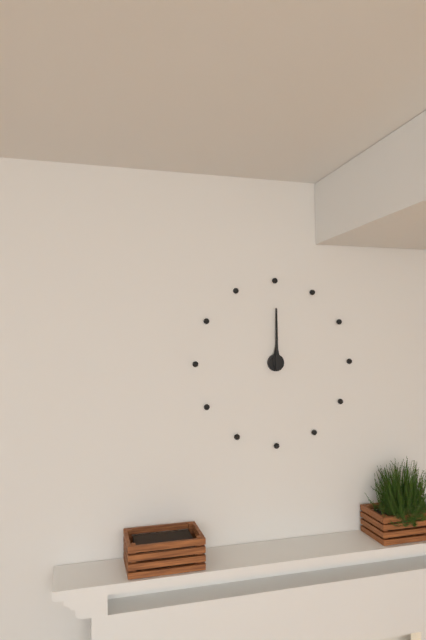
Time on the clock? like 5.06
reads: 12.00
